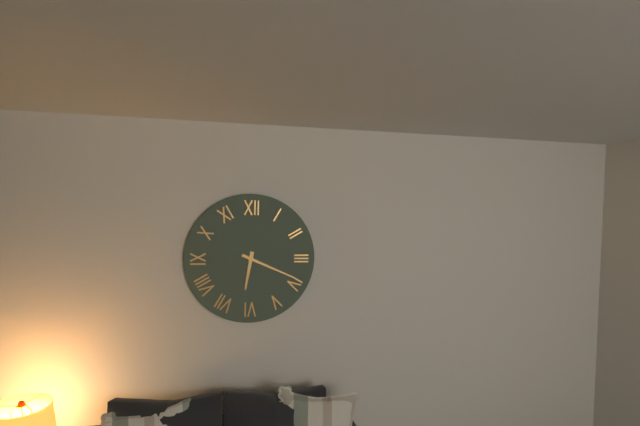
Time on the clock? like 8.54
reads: 6.19
